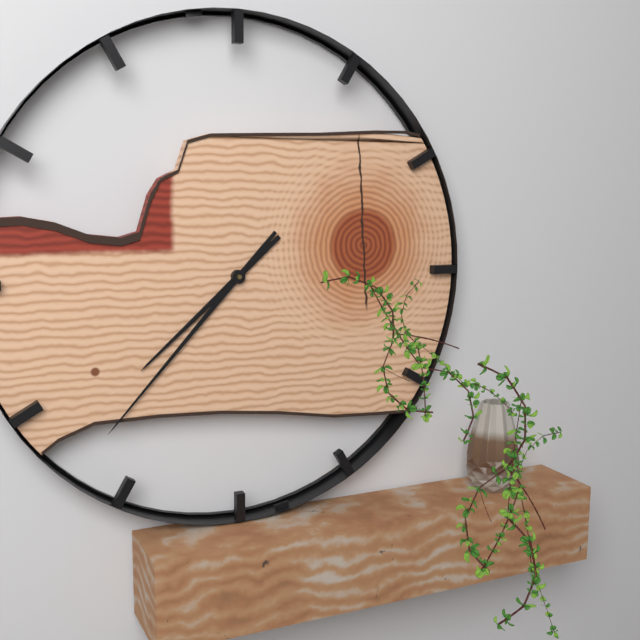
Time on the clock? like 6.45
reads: 7.37
